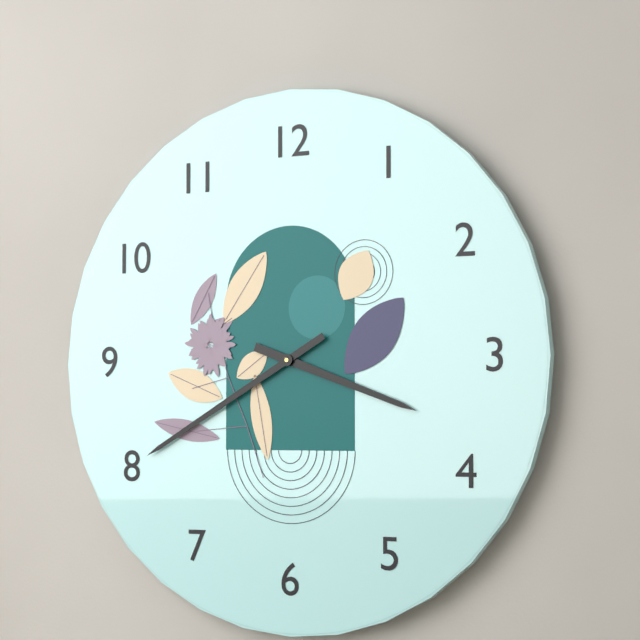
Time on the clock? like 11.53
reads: 3.40
